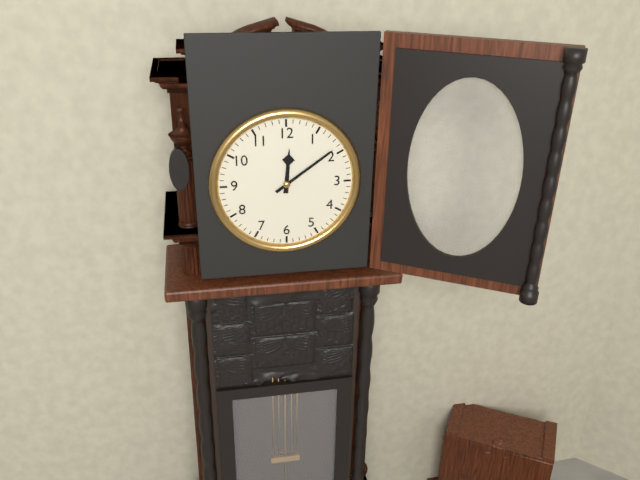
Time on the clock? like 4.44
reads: 12.09
